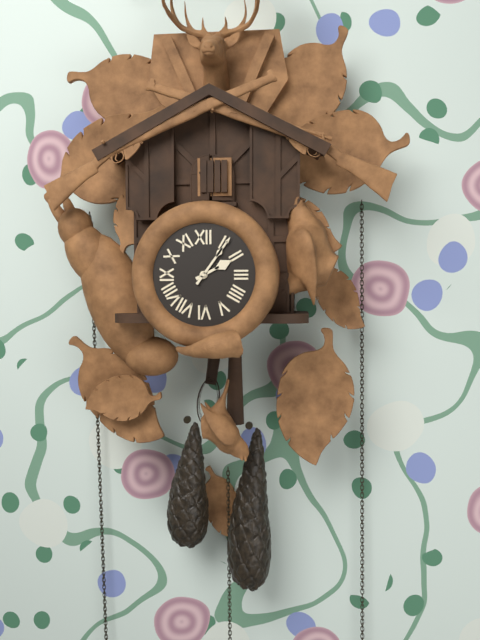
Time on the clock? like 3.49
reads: 2.06
